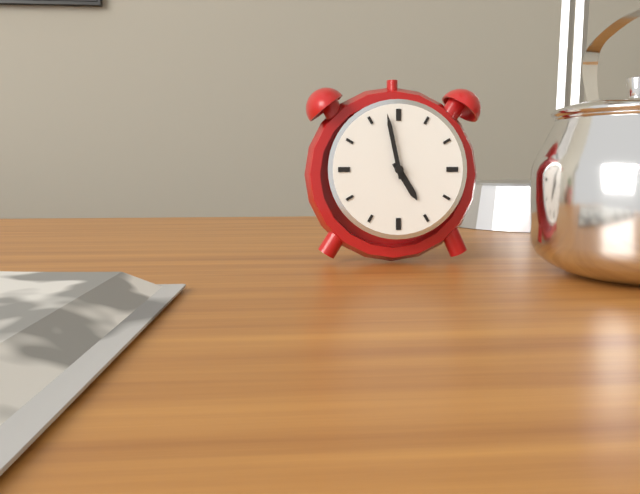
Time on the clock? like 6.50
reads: 4.58
